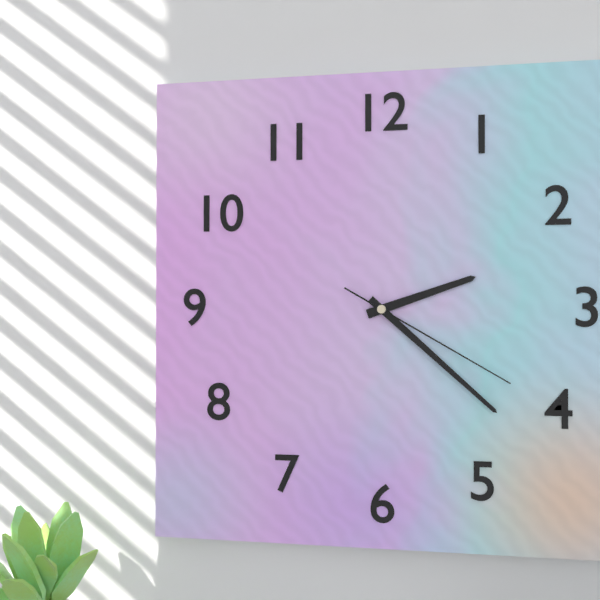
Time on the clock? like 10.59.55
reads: 2.22.20
